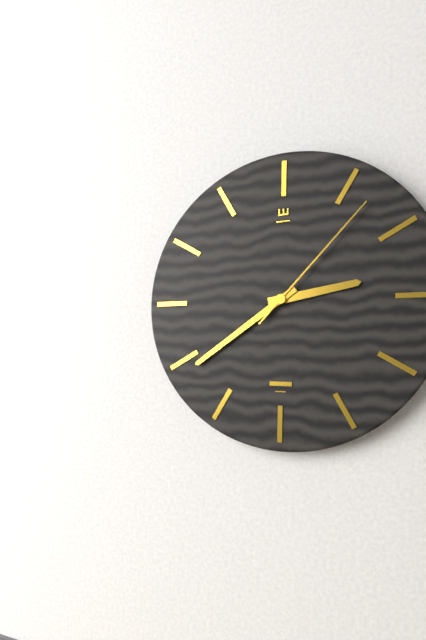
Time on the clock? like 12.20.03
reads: 2.39.07
